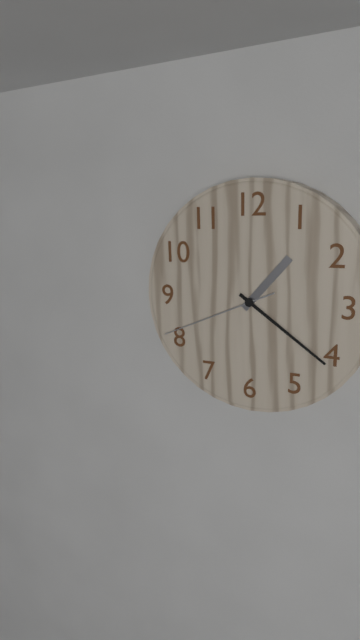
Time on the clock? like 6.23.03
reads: 1.21.41
